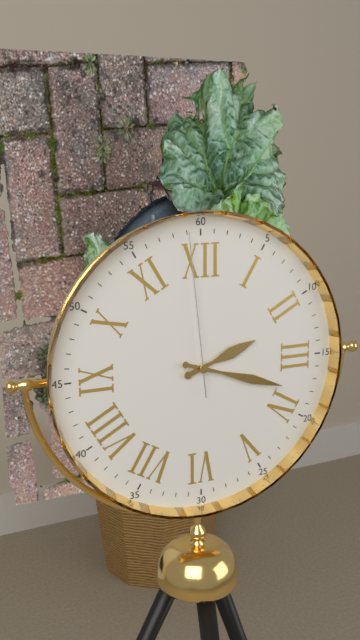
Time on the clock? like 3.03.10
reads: 2.18.59
